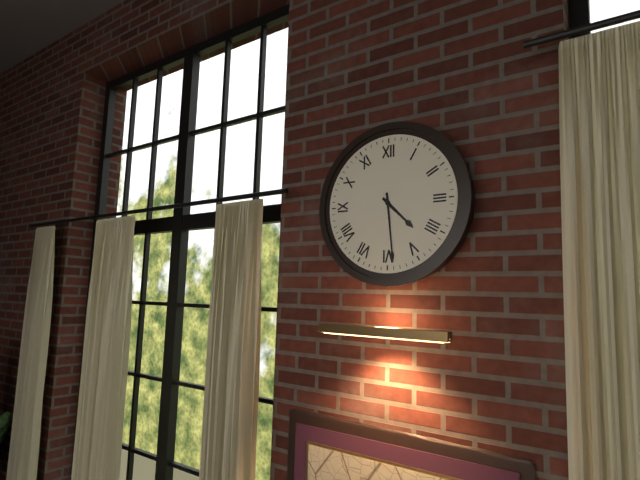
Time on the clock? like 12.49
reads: 4.29
